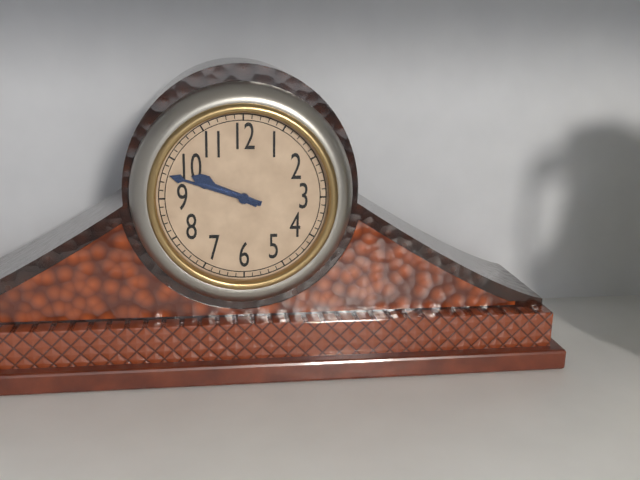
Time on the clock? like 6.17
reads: 9.48
